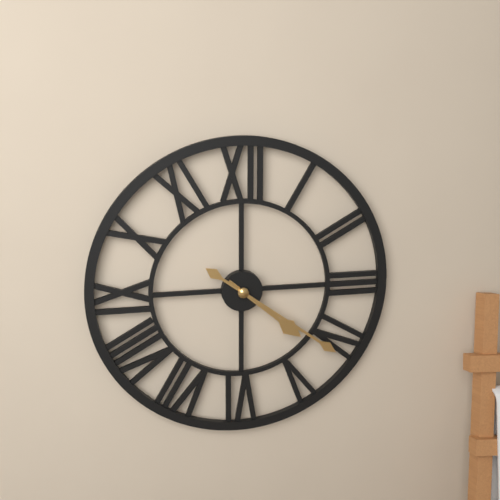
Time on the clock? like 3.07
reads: 4.21
